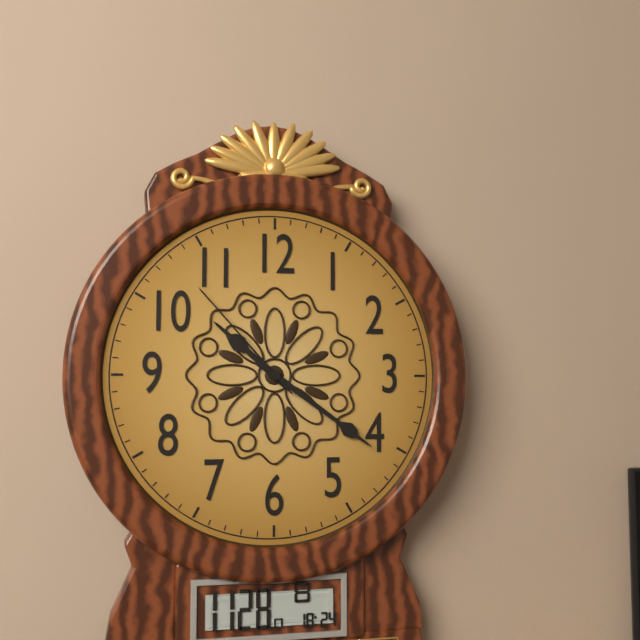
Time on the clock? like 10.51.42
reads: 10.21.53
